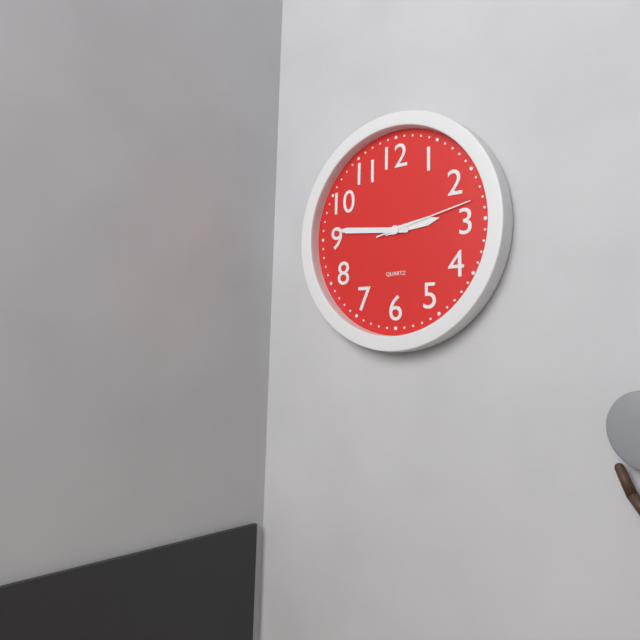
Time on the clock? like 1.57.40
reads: 2.46.13
